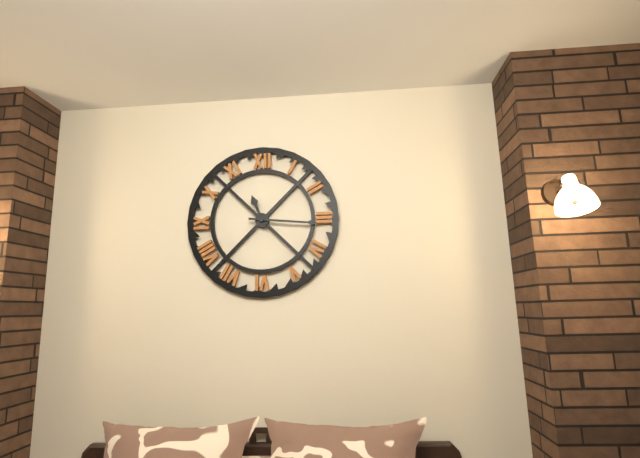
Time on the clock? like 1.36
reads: 11.16
